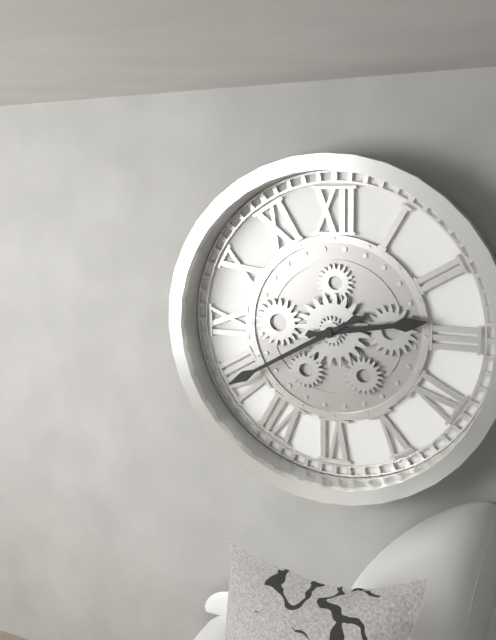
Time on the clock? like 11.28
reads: 2.40
